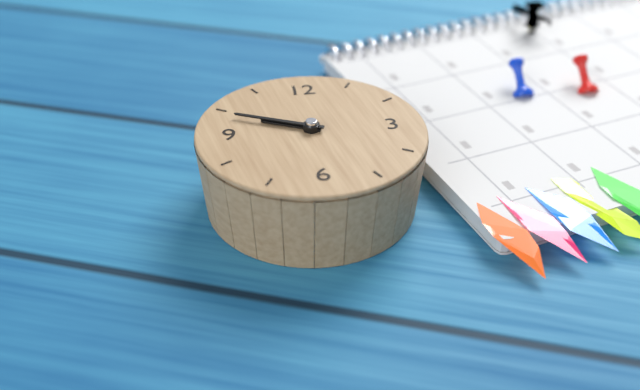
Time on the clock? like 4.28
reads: 9.49
